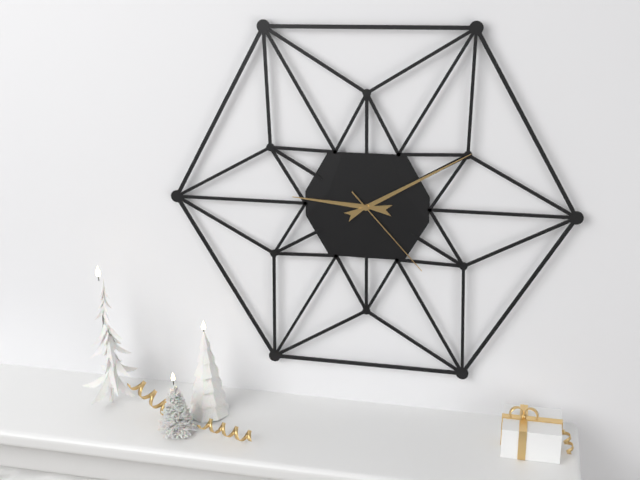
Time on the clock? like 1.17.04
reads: 9.10.23
